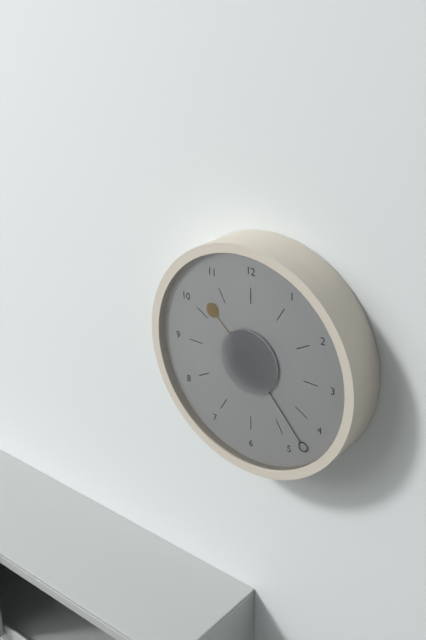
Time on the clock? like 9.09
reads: 10.23
